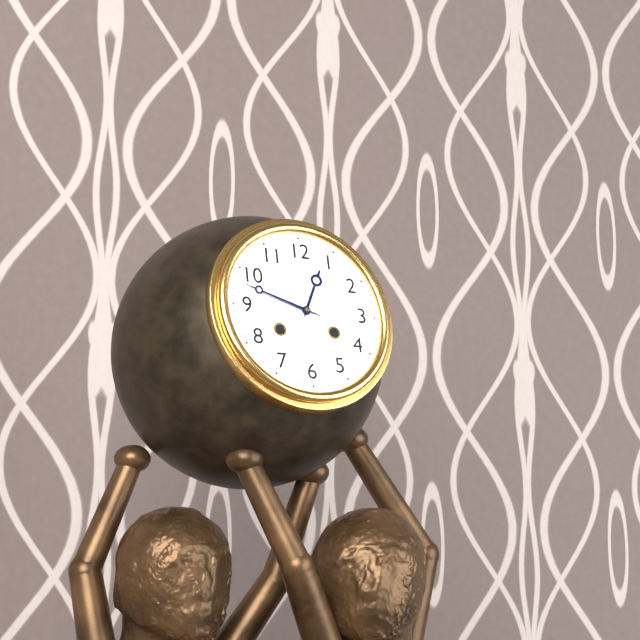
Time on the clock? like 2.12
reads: 12.48
